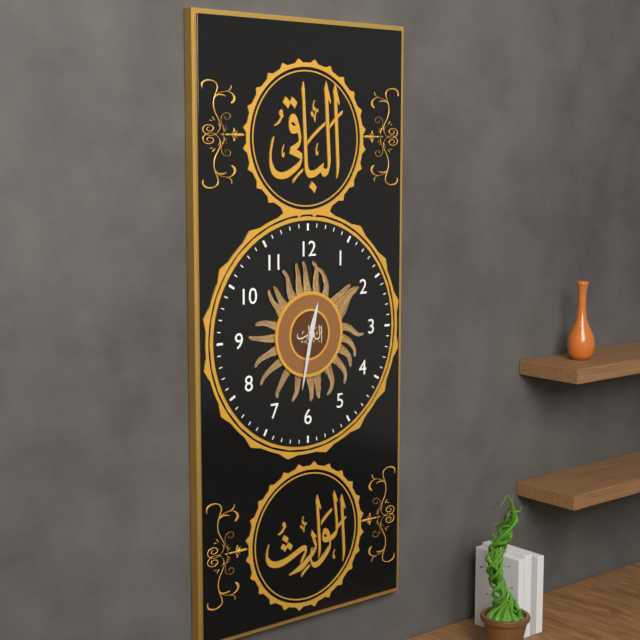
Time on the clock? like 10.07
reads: 12.32
